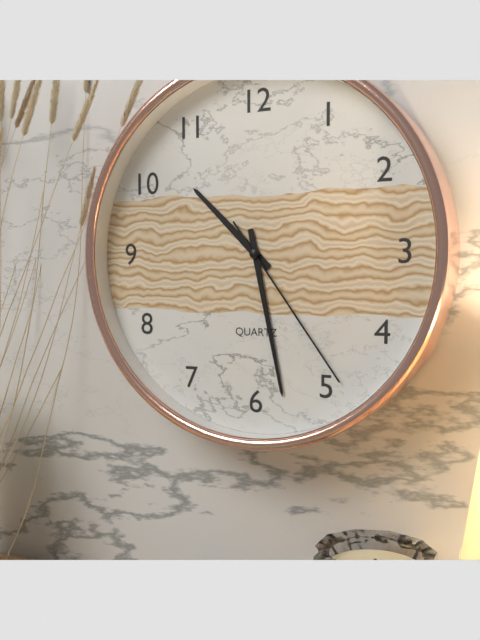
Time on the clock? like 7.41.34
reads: 10.28.24
